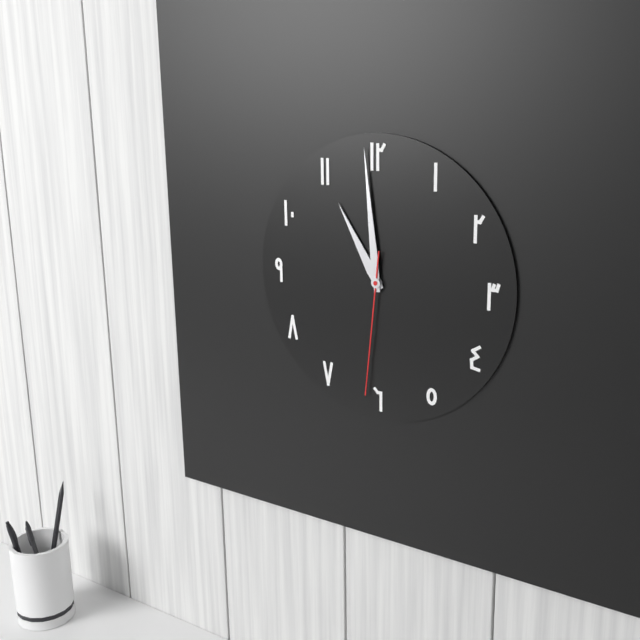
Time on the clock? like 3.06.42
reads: 10.59.31
